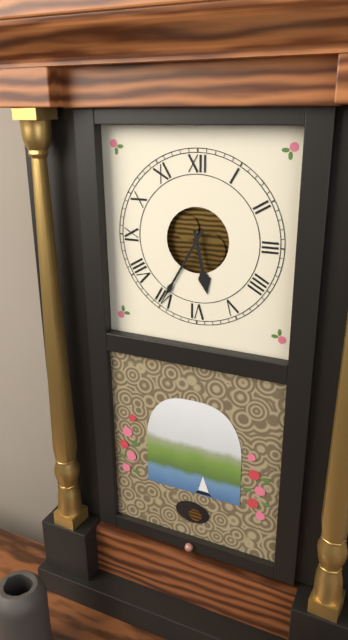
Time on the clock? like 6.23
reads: 5.35
